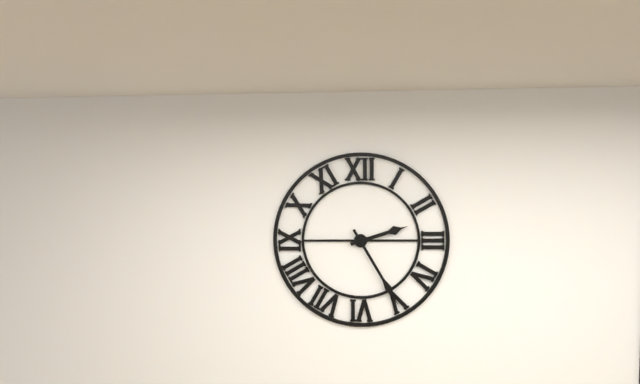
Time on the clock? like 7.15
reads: 2.25
